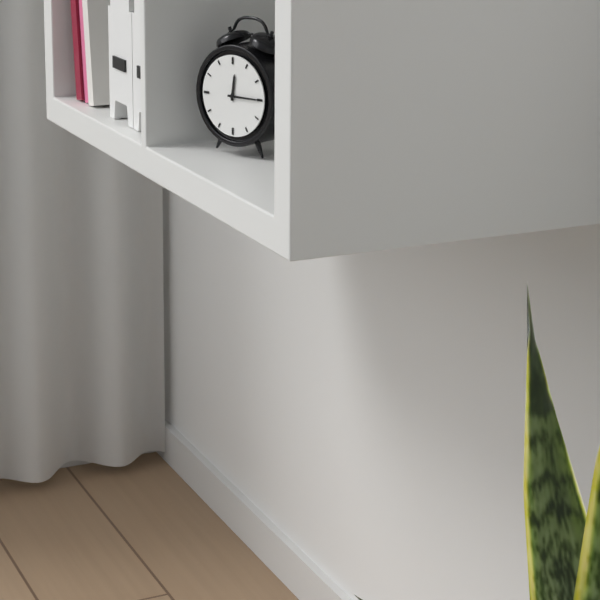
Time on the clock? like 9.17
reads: 12.15
